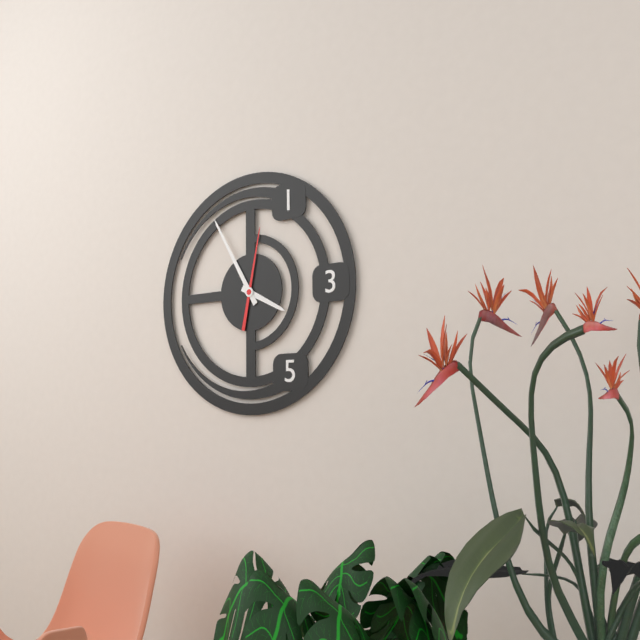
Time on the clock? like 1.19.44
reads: 3.55.02
